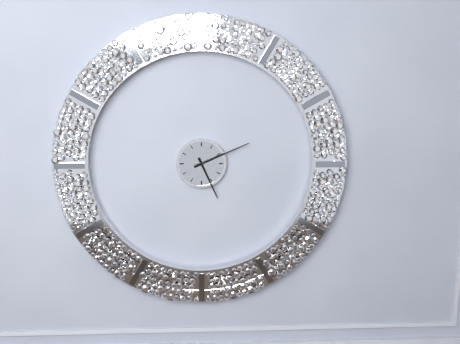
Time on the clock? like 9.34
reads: 5.11
